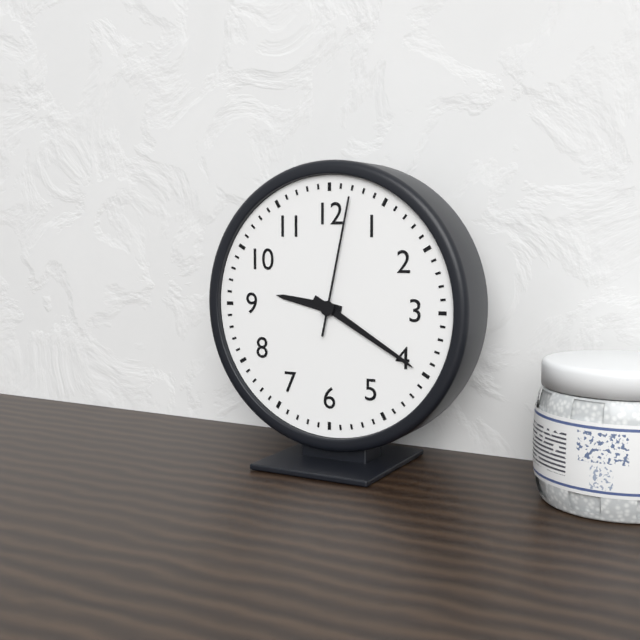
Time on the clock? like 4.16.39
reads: 9.20.02
